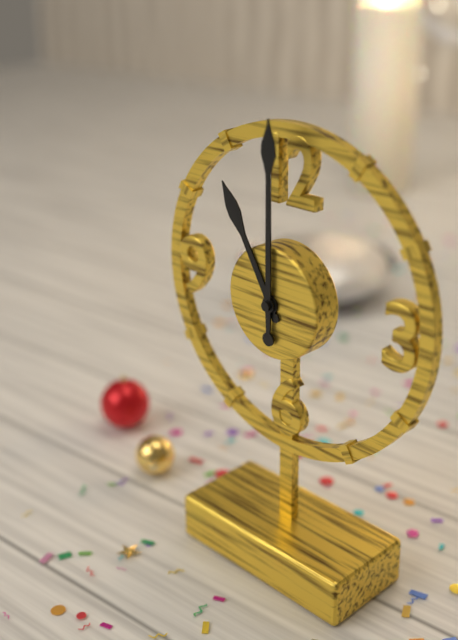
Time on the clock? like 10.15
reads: 11.00
